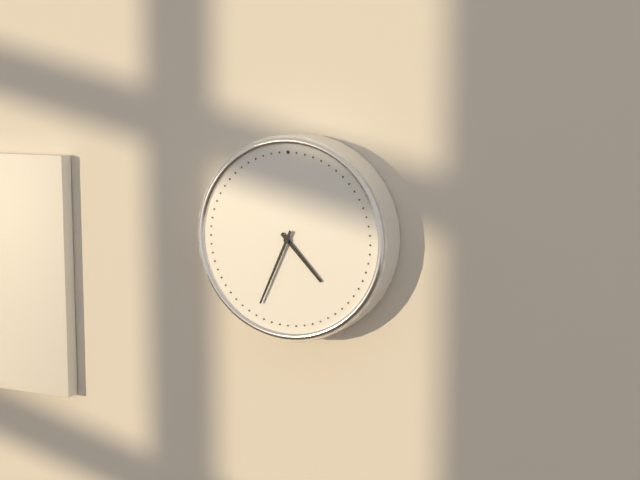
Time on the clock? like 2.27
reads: 4.34
